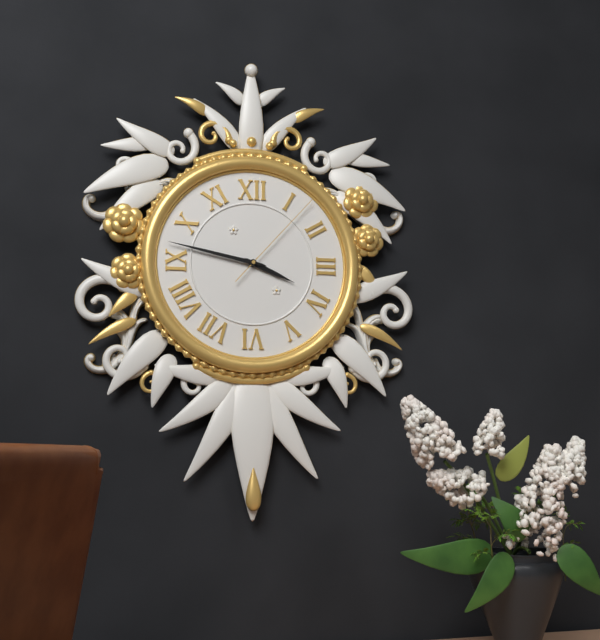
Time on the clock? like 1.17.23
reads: 3.47.07
